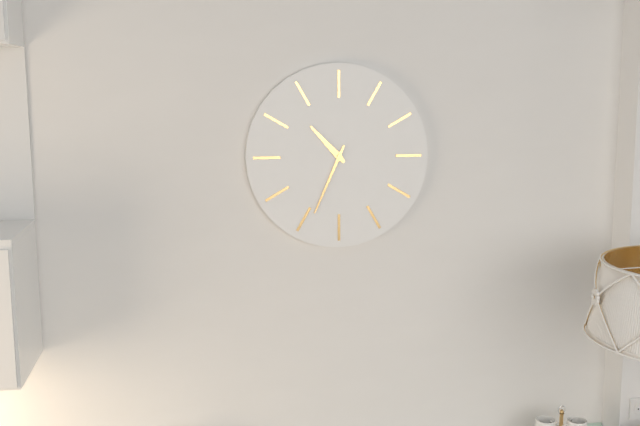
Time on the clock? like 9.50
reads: 10.34
